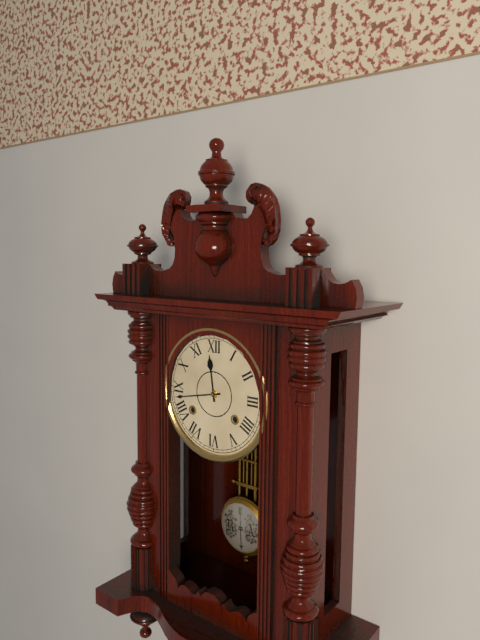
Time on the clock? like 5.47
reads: 11.43
